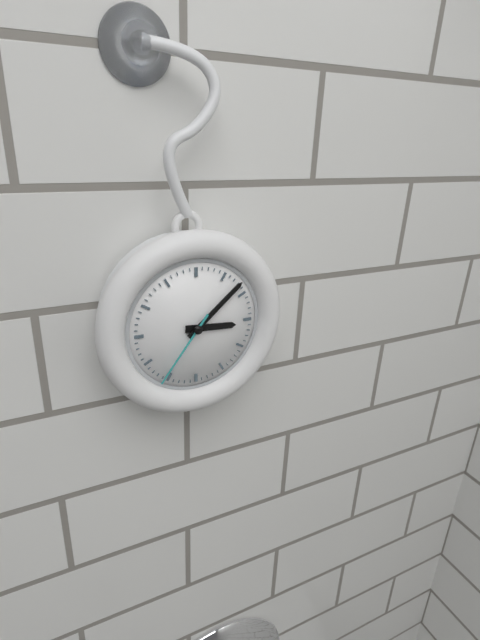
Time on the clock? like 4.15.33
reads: 3.08.36
